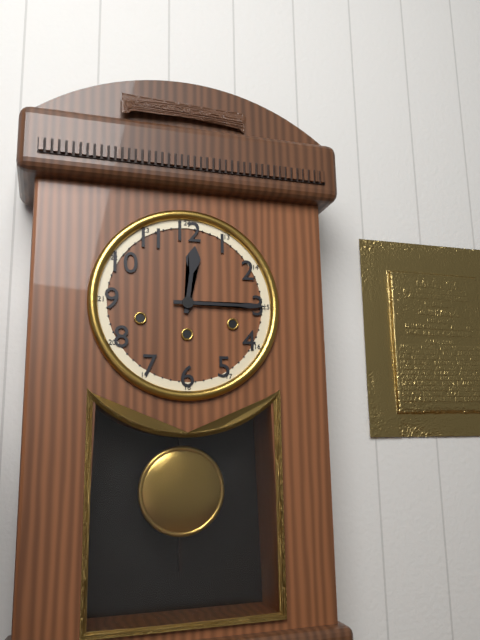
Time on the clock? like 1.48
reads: 12.15
